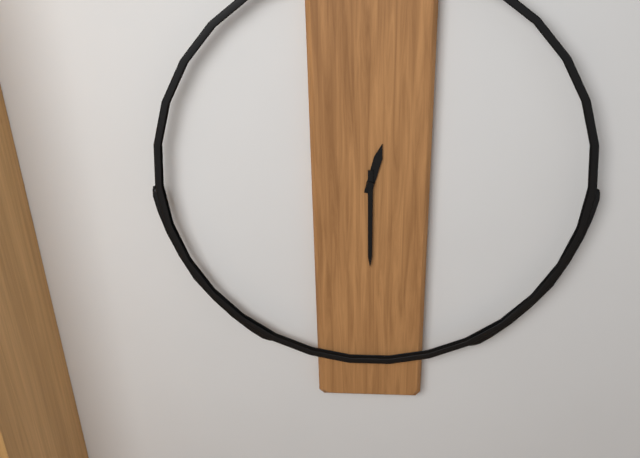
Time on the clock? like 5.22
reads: 12.30
